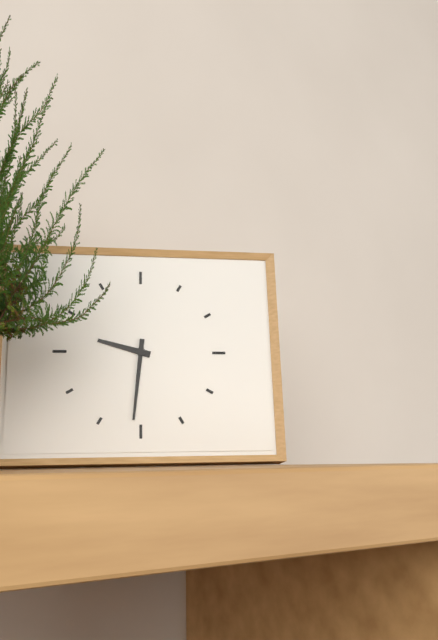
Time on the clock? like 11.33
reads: 9.31
